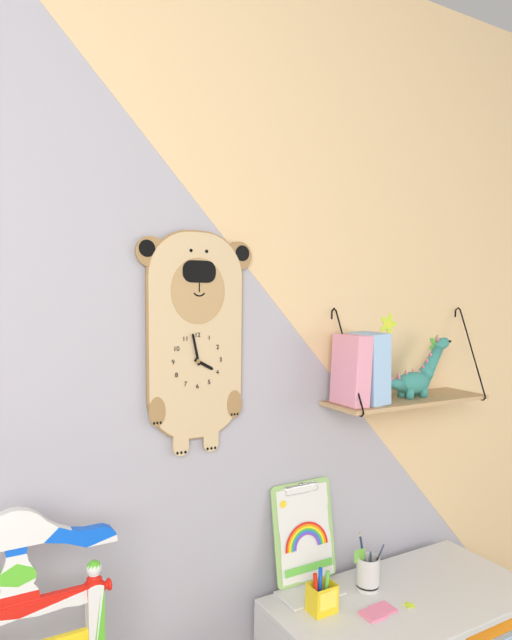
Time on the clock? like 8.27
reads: 3.58
